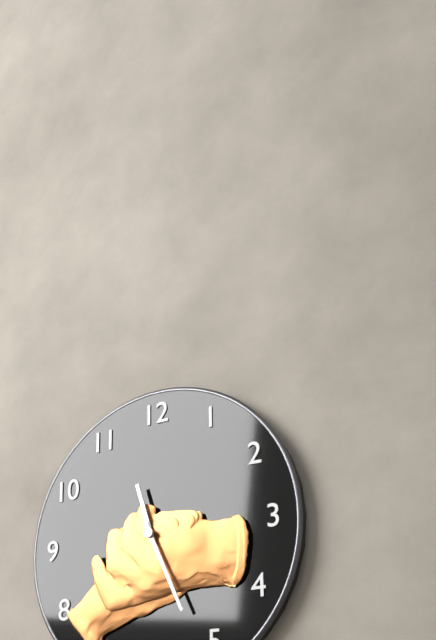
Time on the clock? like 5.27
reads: 11.26
